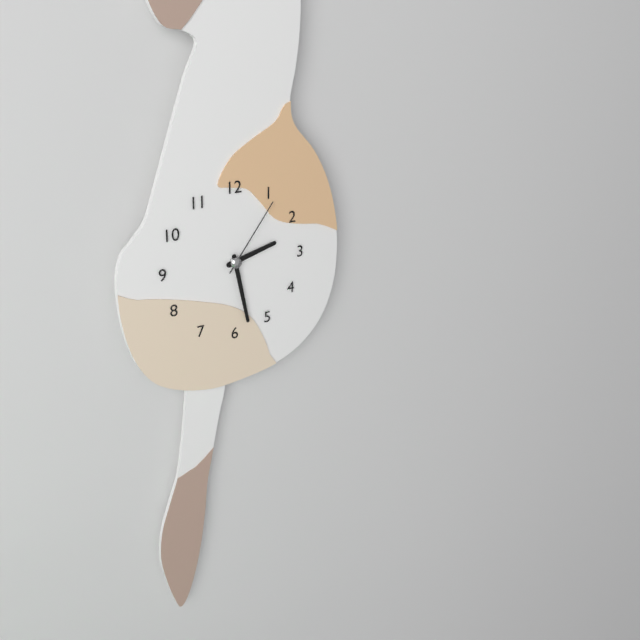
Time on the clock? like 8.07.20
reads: 2.28.06
